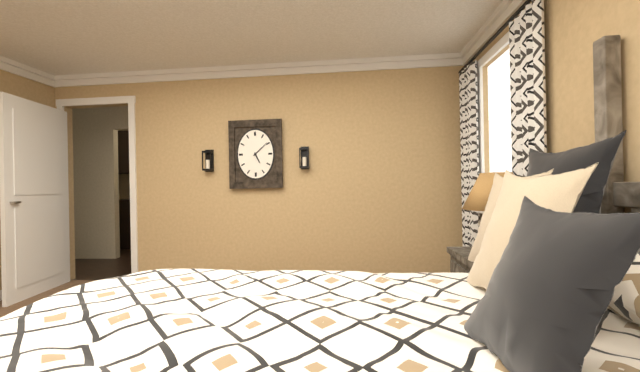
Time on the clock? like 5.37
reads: 5.08
